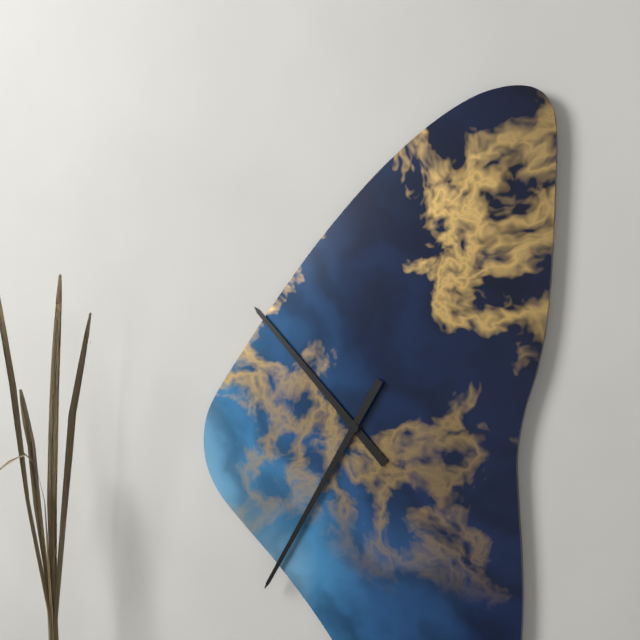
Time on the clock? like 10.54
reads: 10.35
